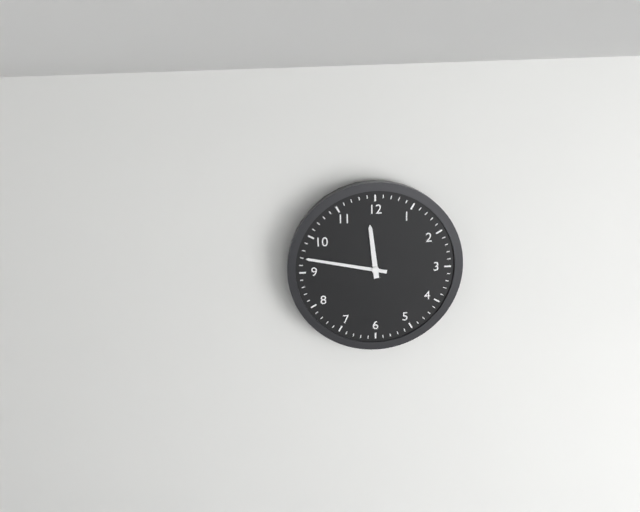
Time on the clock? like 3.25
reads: 11.47
